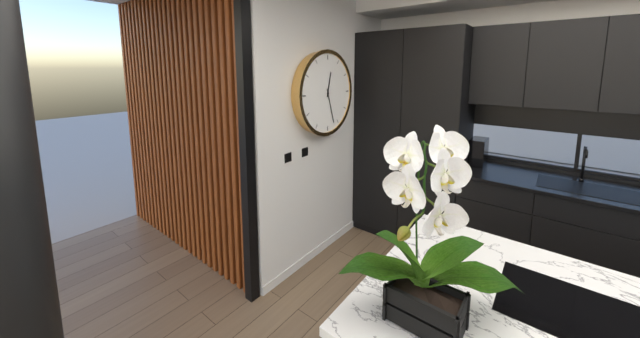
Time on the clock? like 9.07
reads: 12.27
